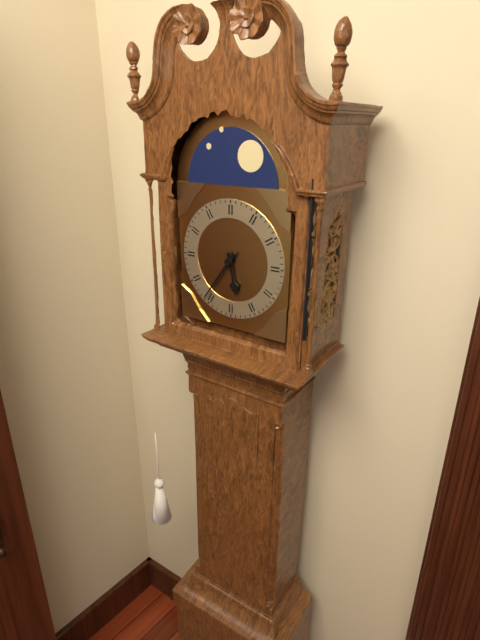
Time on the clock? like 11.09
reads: 5.36
